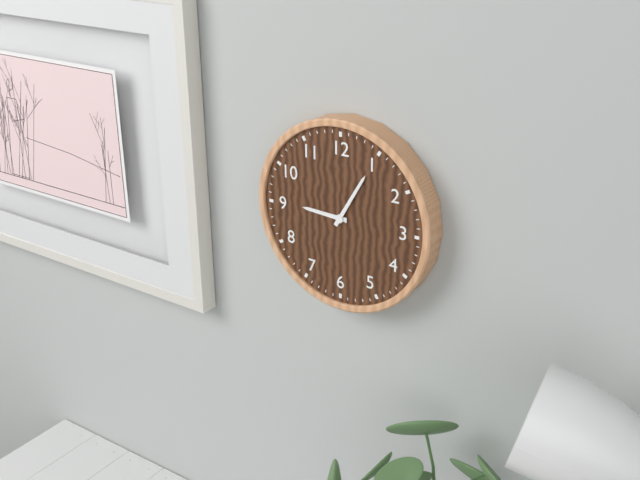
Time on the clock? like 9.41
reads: 9.05
